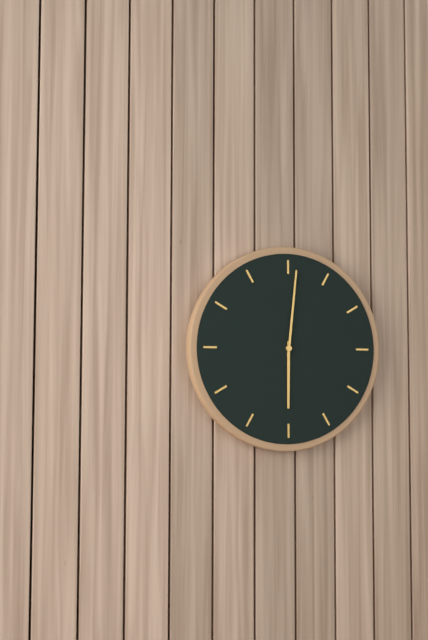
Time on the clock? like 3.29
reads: 6.01
